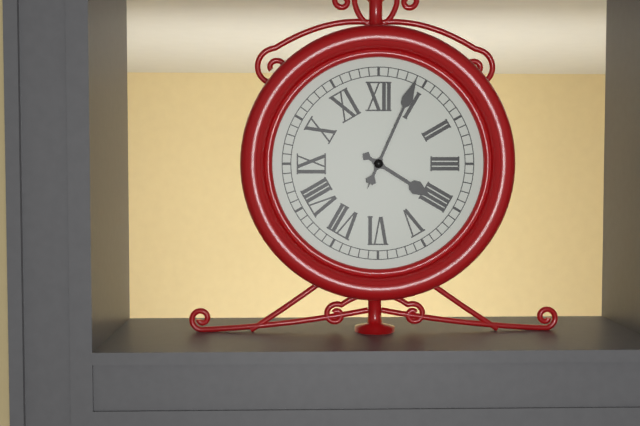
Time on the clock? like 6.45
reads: 4.04
